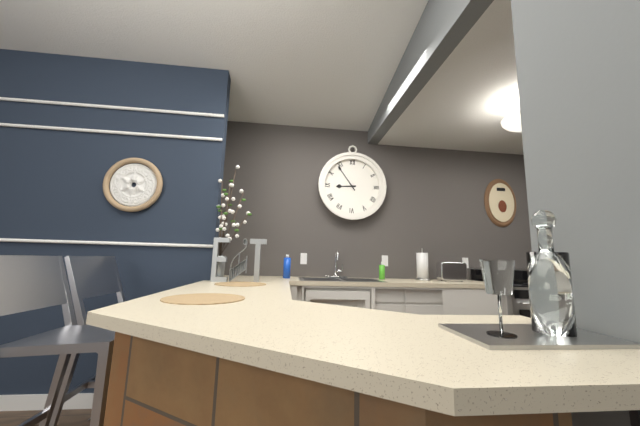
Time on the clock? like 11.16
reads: 8.54
